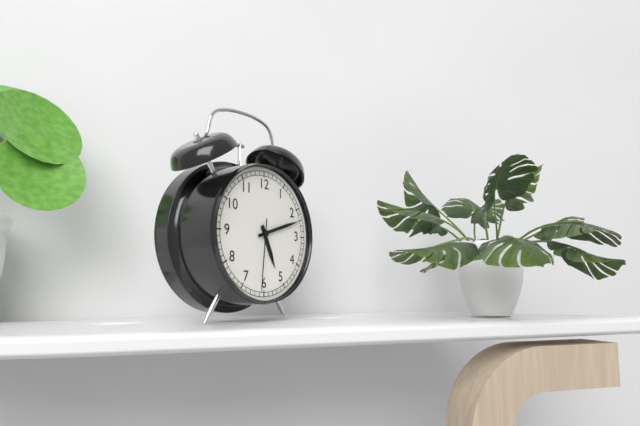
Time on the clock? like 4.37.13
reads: 5.12.31
